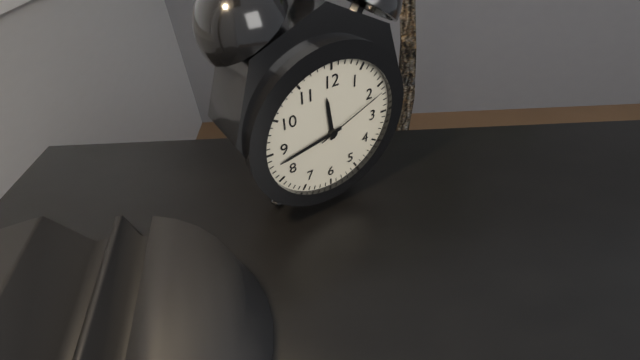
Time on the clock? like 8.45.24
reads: 11.43.11
